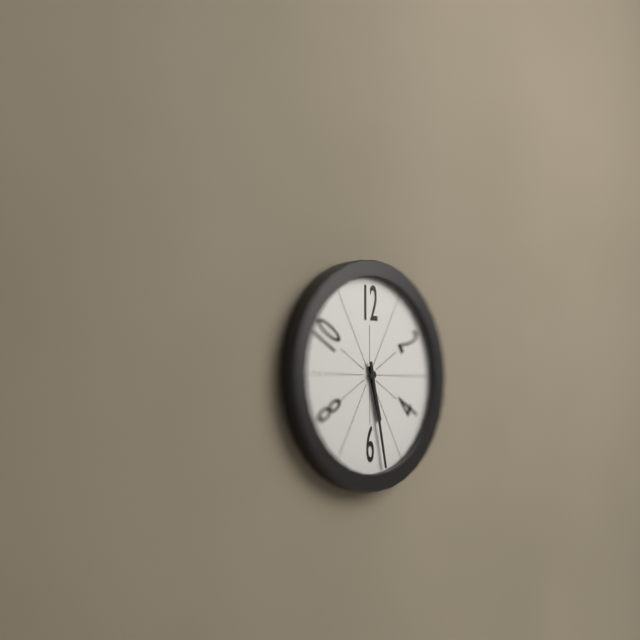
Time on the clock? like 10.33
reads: 5.28
